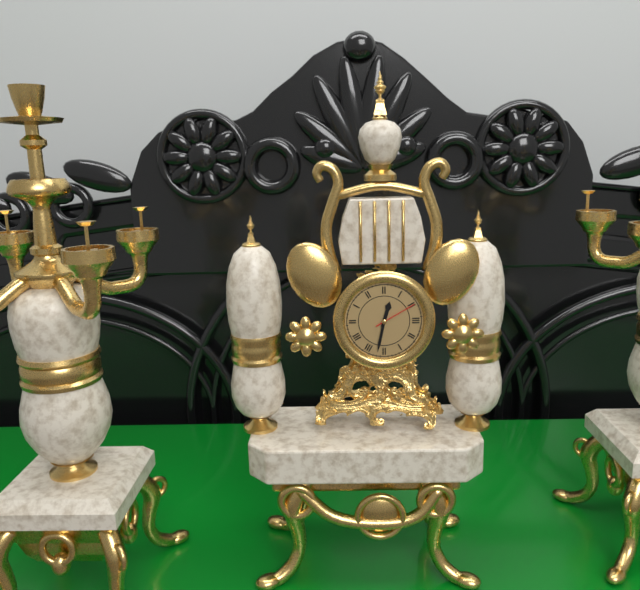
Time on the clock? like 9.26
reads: 12.32
